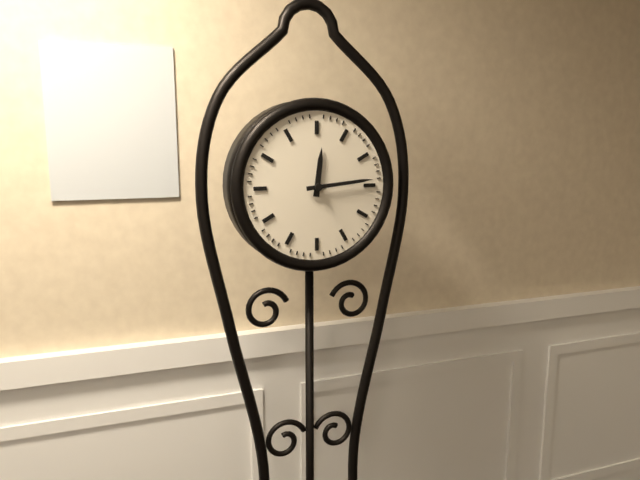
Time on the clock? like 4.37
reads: 12.14
